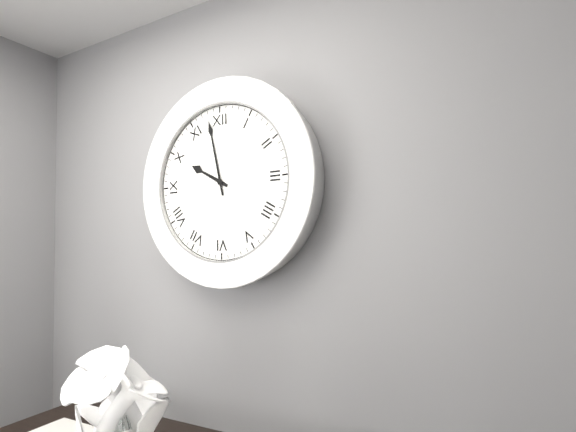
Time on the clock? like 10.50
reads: 9.58
